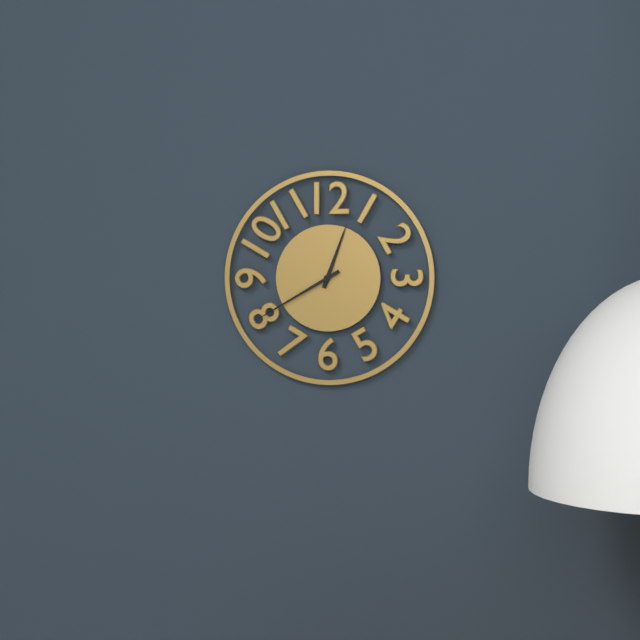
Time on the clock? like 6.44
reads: 12.40
